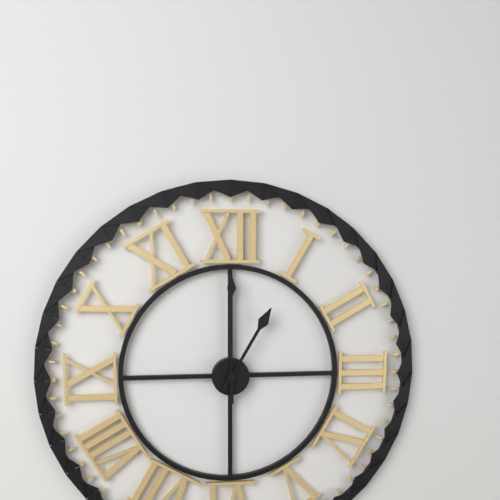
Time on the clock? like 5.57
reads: 1.00
